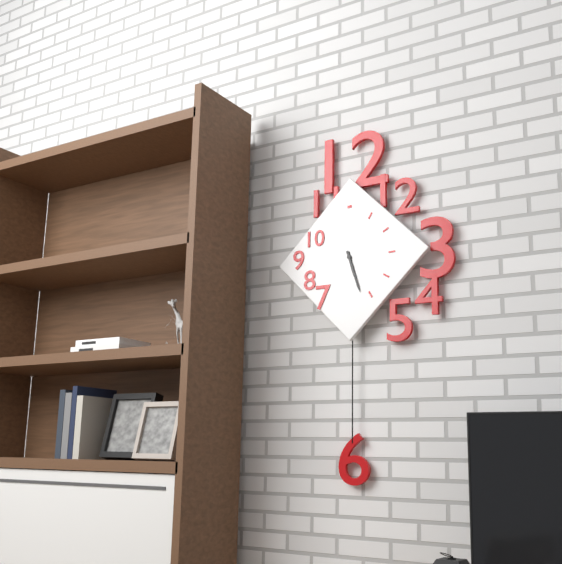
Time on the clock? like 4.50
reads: 5.27
